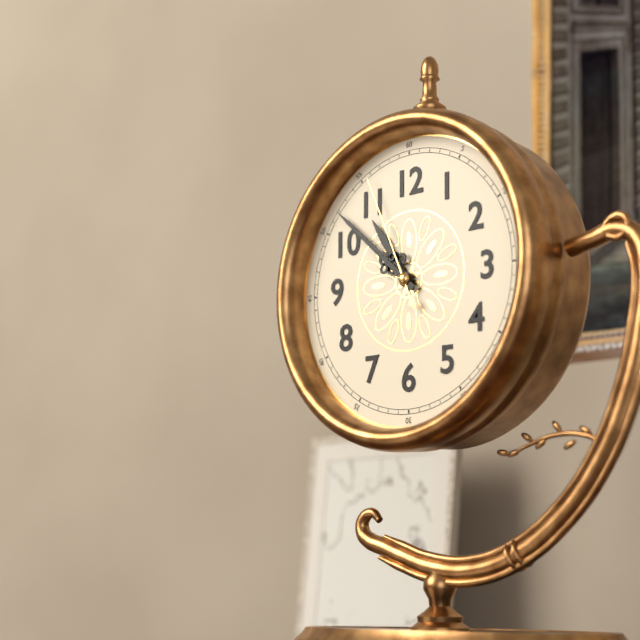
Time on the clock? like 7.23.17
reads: 10.52.56
